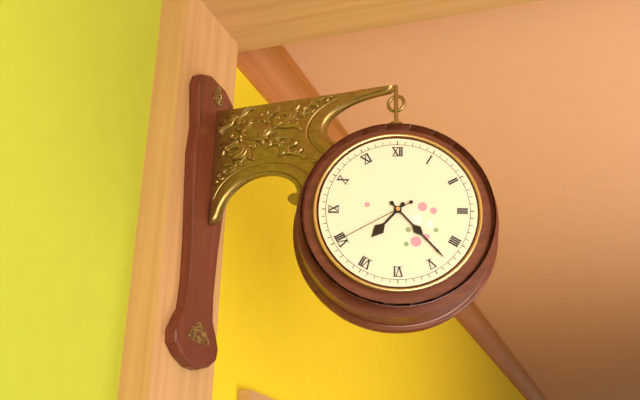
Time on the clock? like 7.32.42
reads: 7.23.40
